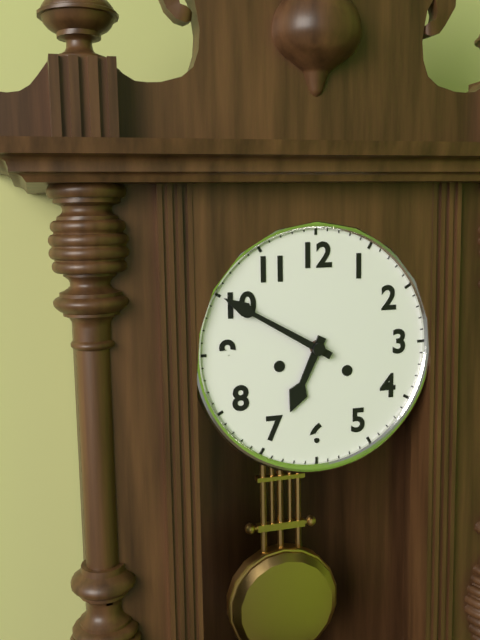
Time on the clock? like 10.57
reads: 6.50
